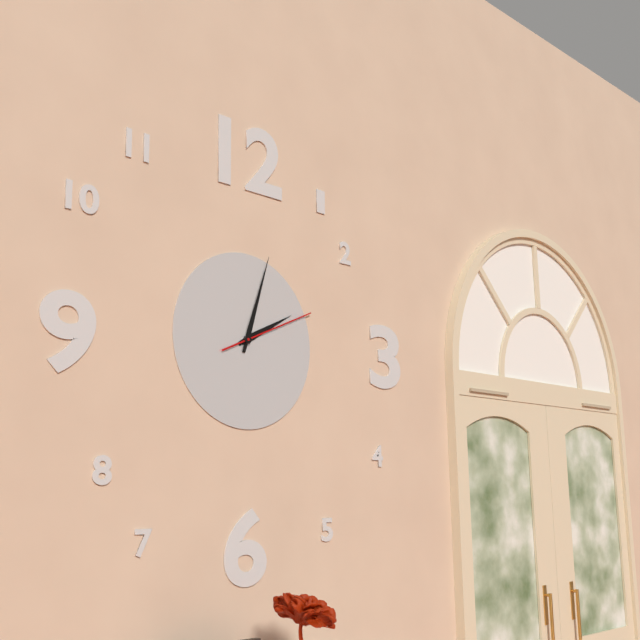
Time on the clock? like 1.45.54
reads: 2.03.11
